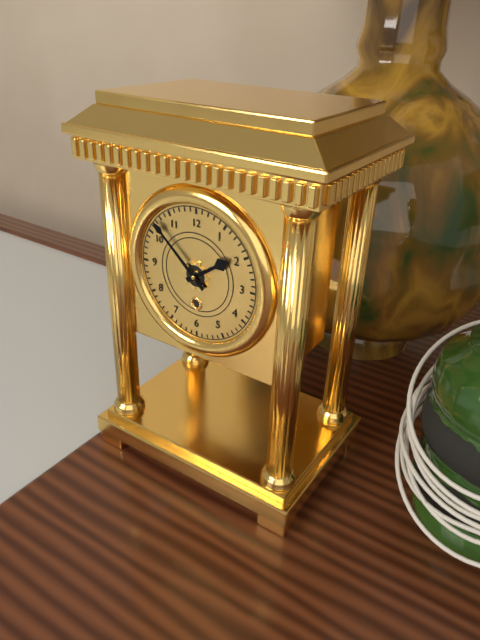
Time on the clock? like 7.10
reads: 1.52
